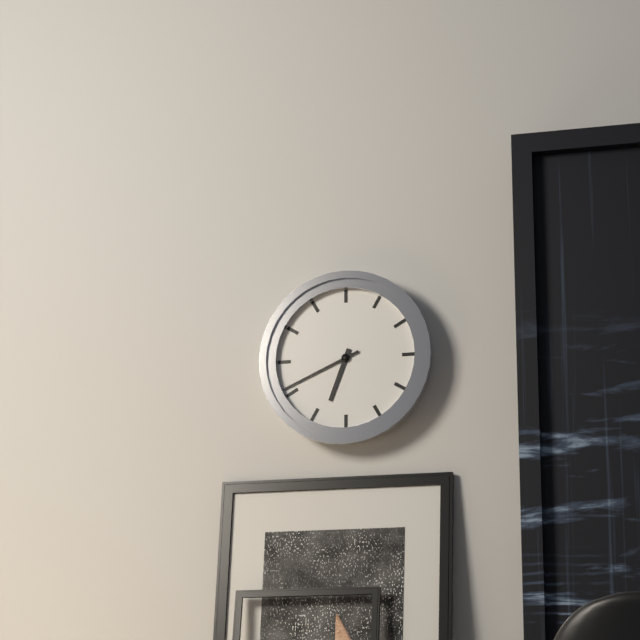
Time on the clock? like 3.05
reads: 6.41
